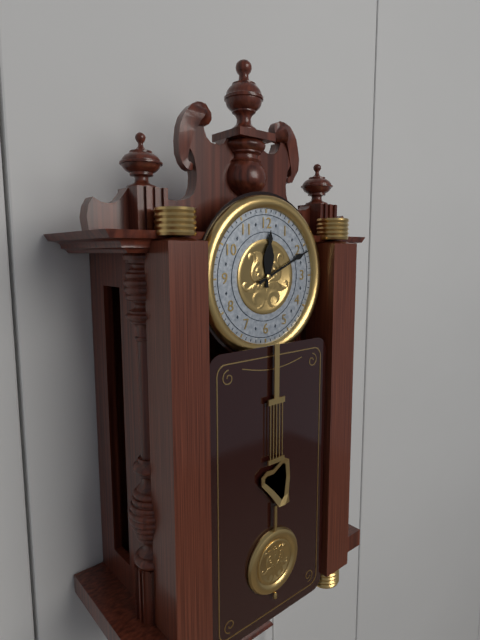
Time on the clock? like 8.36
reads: 12.11
